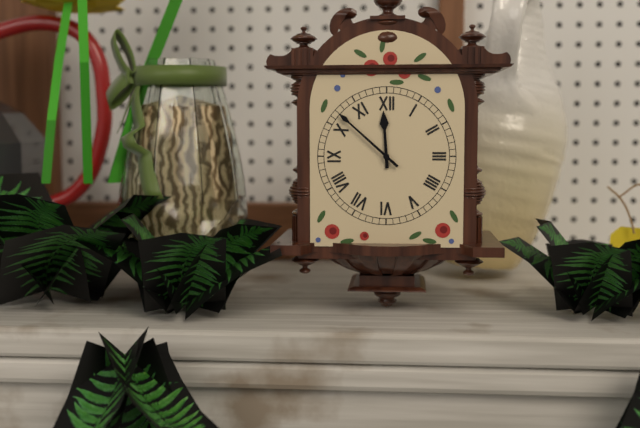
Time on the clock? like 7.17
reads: 11.52
